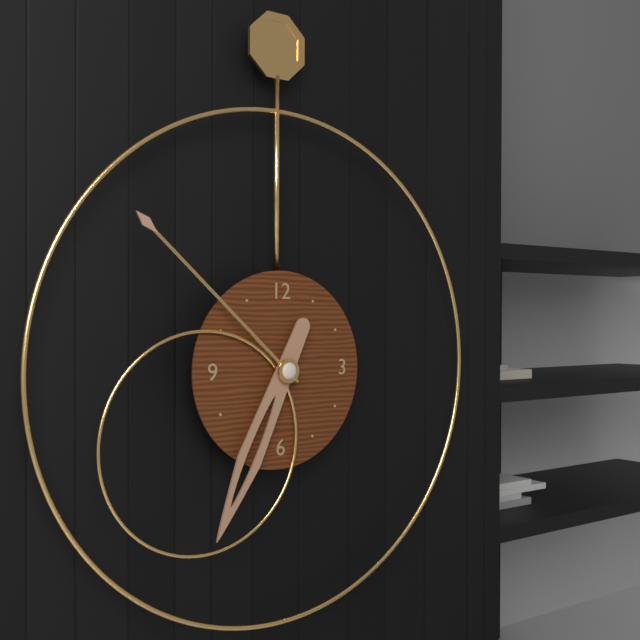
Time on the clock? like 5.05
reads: 6.52
